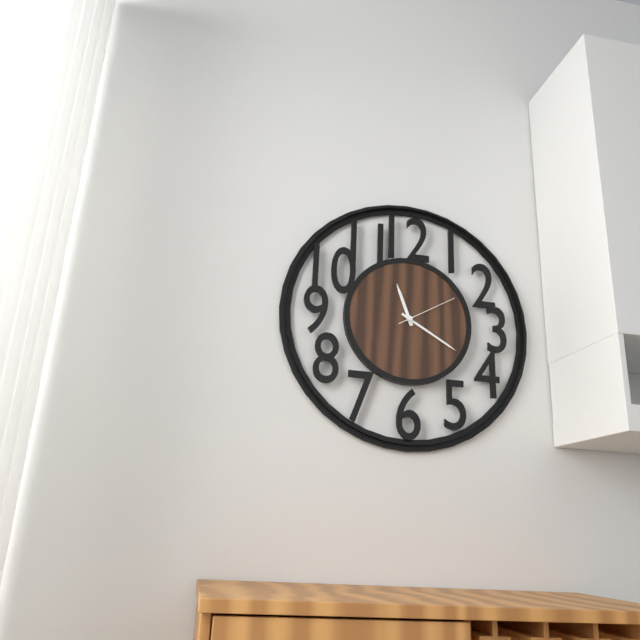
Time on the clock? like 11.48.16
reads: 11.20.10
